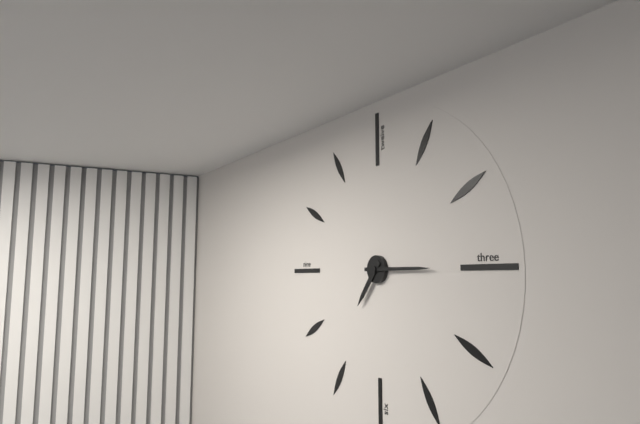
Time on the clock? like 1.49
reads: 7.15
